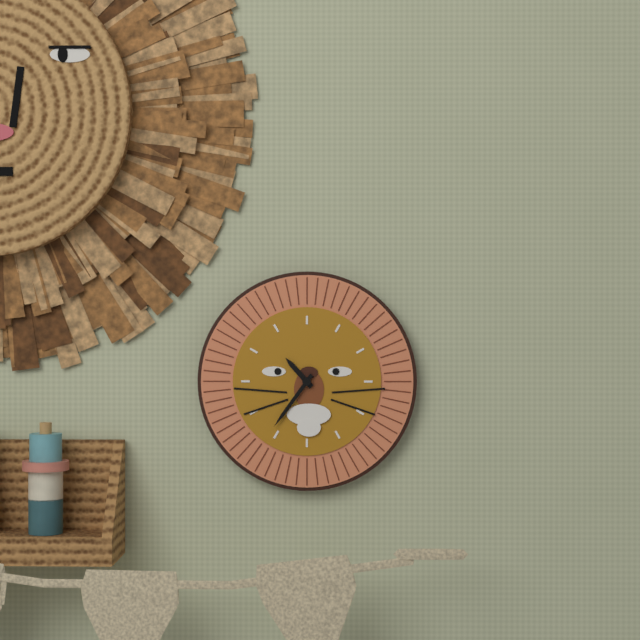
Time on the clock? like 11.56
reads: 10.36
